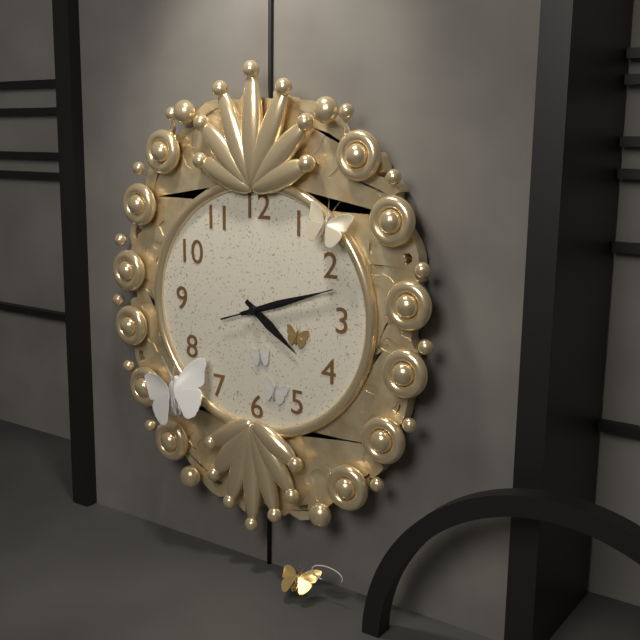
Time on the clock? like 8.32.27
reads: 4.12.12
